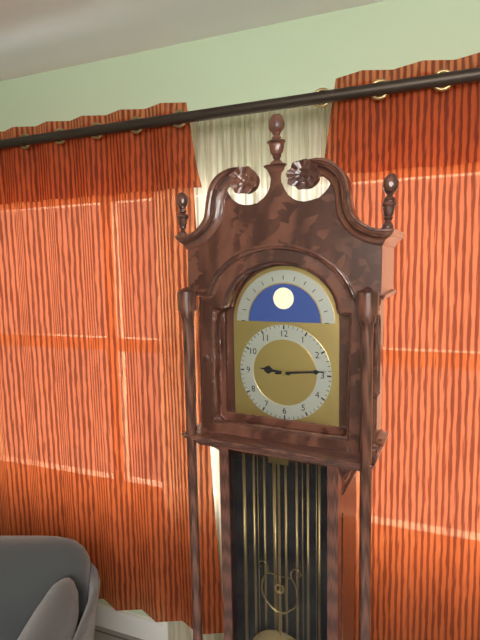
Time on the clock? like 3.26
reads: 9.14
